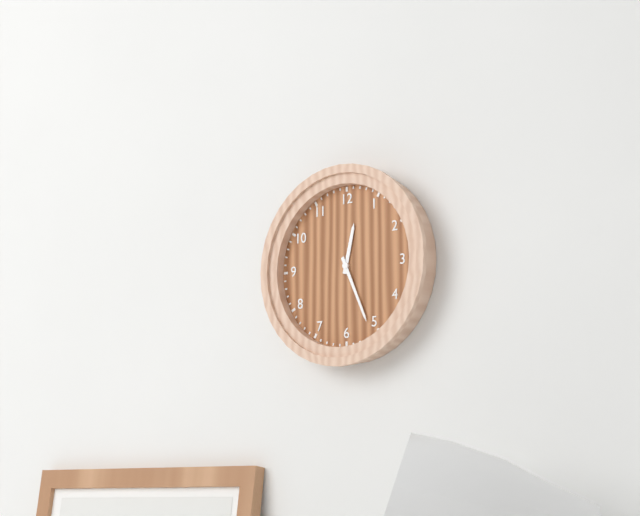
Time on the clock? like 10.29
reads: 12.26
